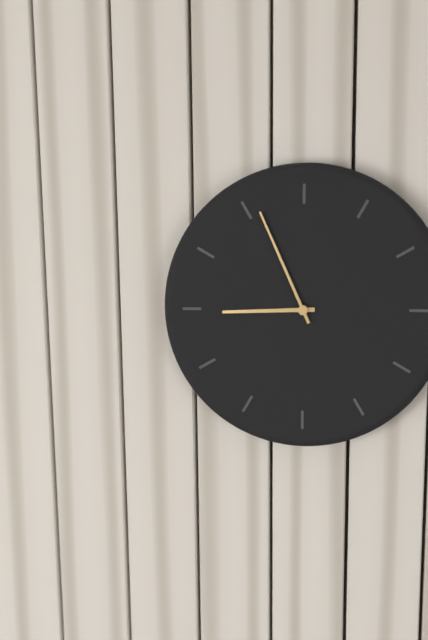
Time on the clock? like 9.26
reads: 8.56
